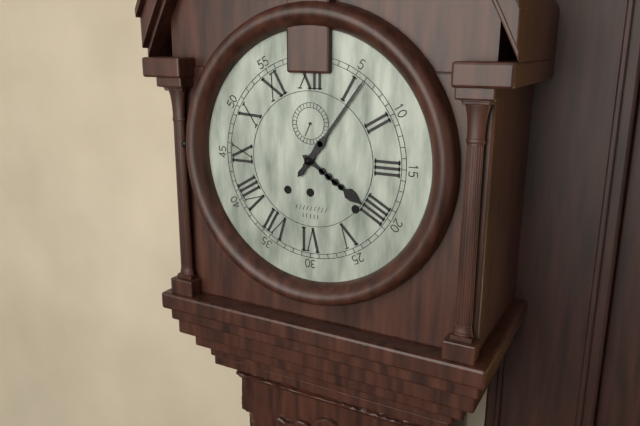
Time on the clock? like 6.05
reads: 4.06
